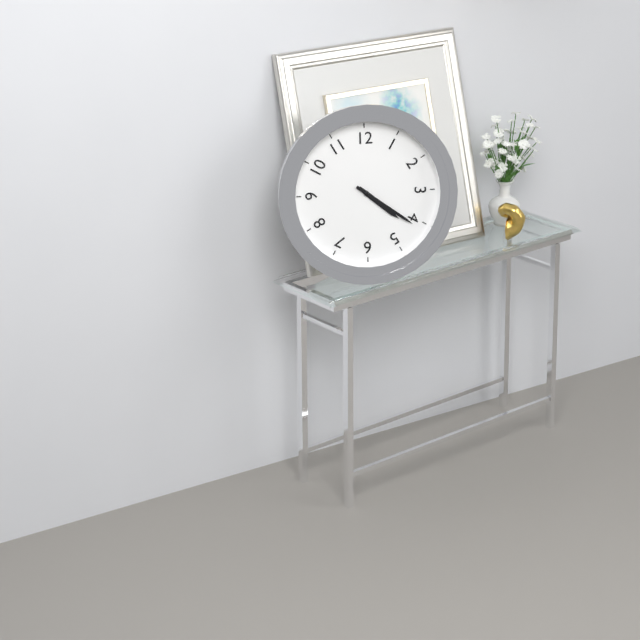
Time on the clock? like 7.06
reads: 4.21
